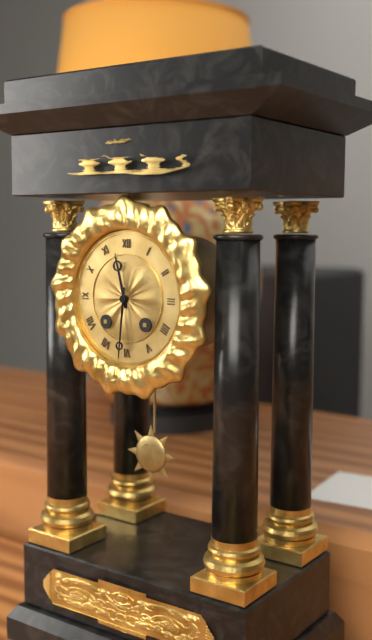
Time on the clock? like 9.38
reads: 11.31
